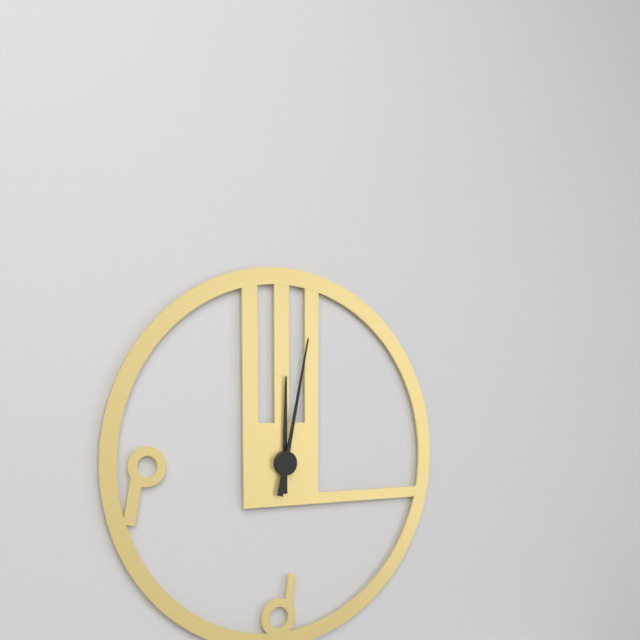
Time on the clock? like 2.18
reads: 12.02
